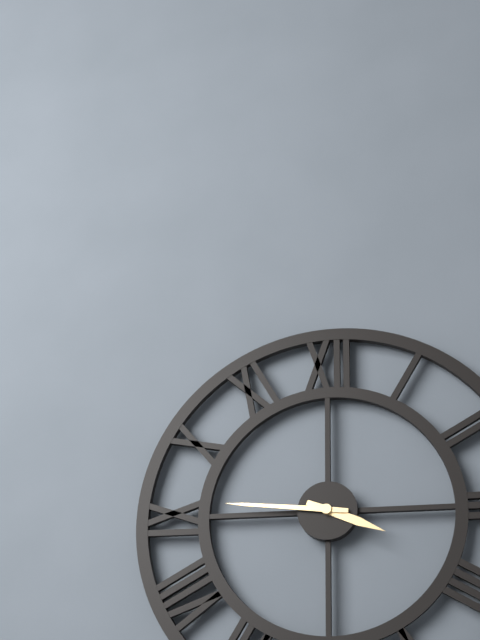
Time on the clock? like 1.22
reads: 3.46
